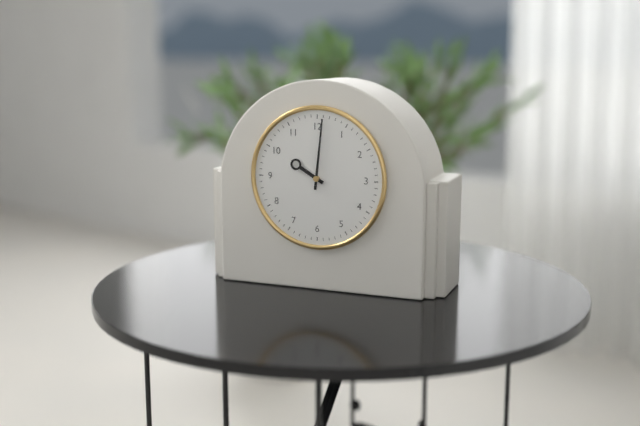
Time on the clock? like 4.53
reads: 10.01
